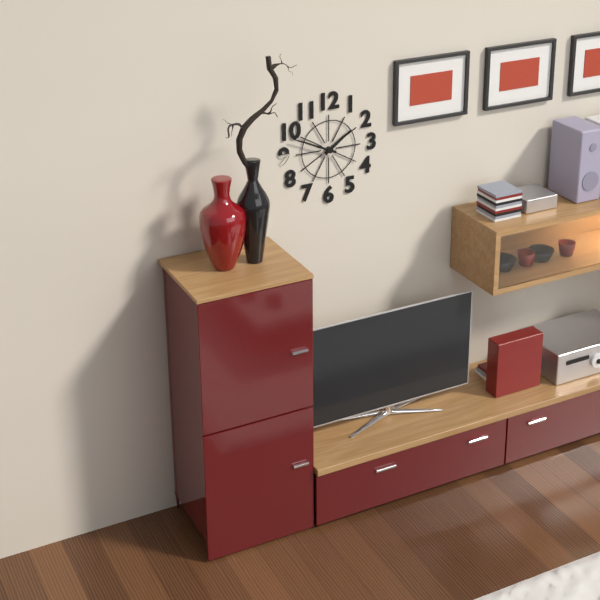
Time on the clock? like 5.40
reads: 1.49
